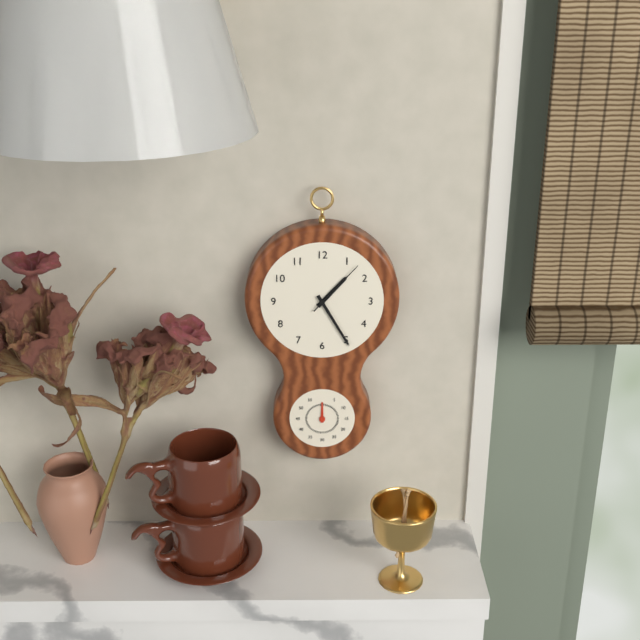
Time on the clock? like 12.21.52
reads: 1.25.07
